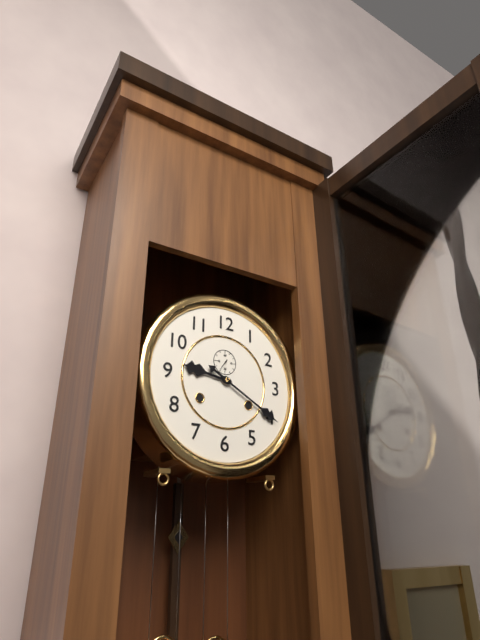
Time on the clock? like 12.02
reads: 9.20
